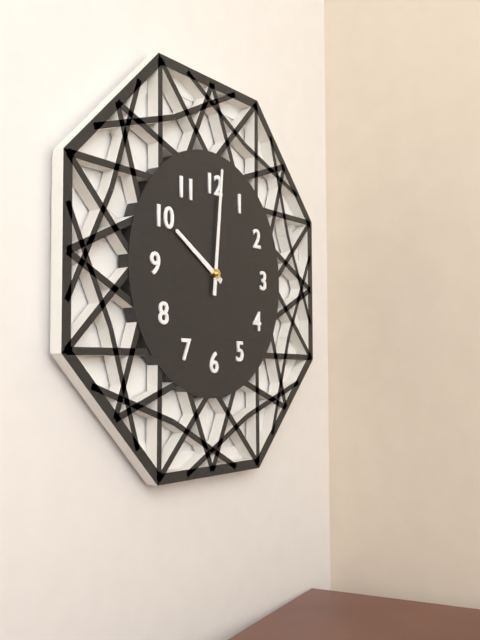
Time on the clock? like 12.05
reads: 10.01
